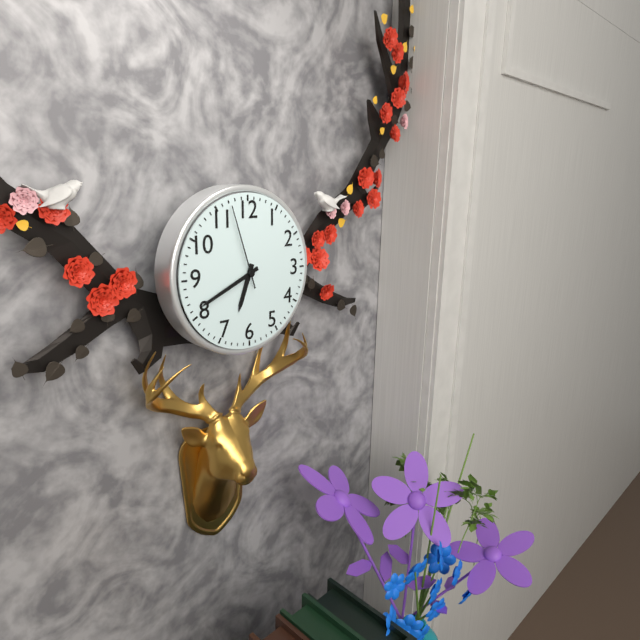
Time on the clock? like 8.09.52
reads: 6.41.57
